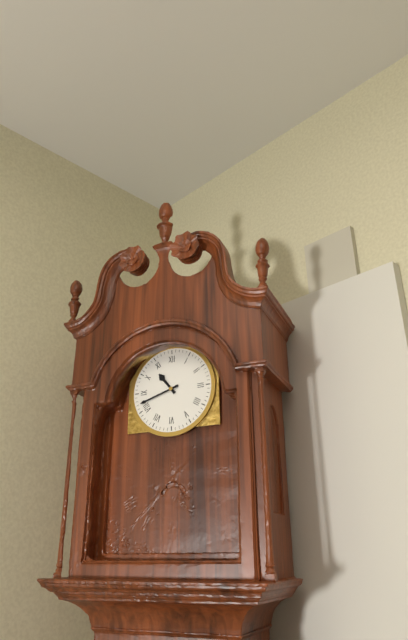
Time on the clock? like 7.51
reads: 10.42
